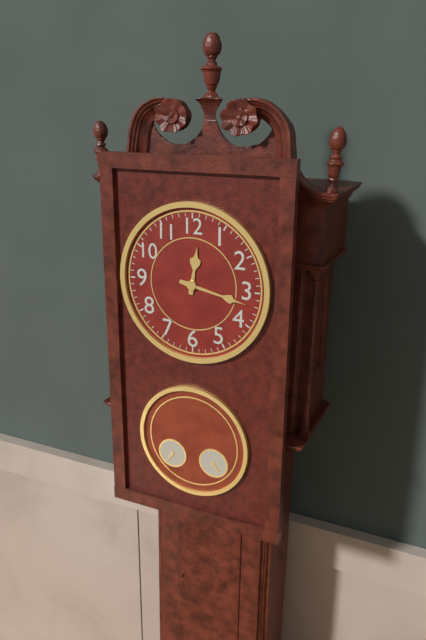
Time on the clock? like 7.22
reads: 12.17
